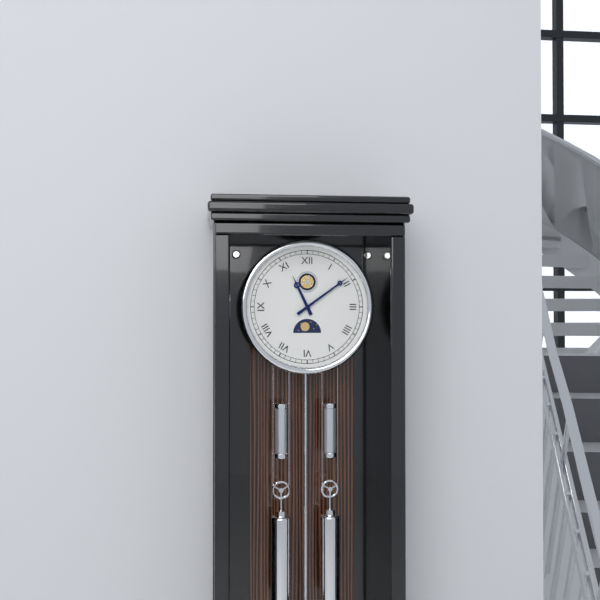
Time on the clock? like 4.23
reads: 11.09
